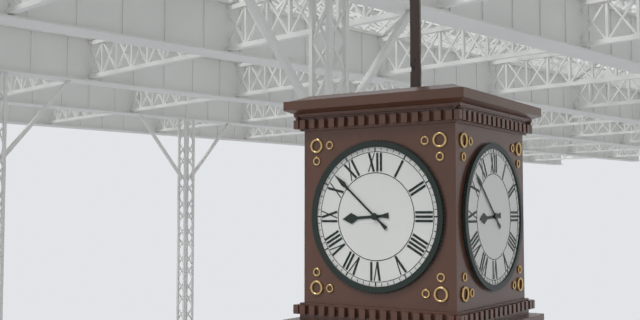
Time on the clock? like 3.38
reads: 8.52
